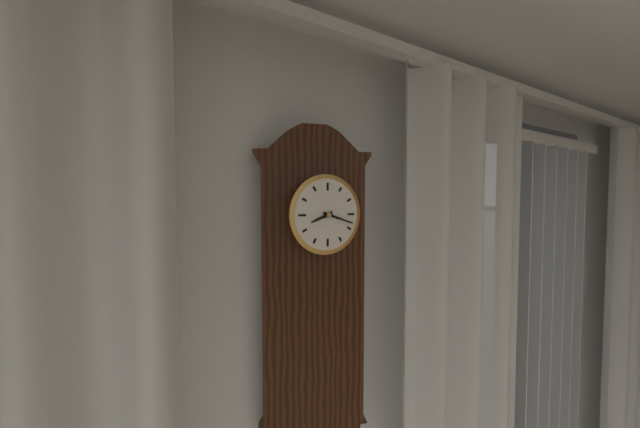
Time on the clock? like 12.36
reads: 8.18
